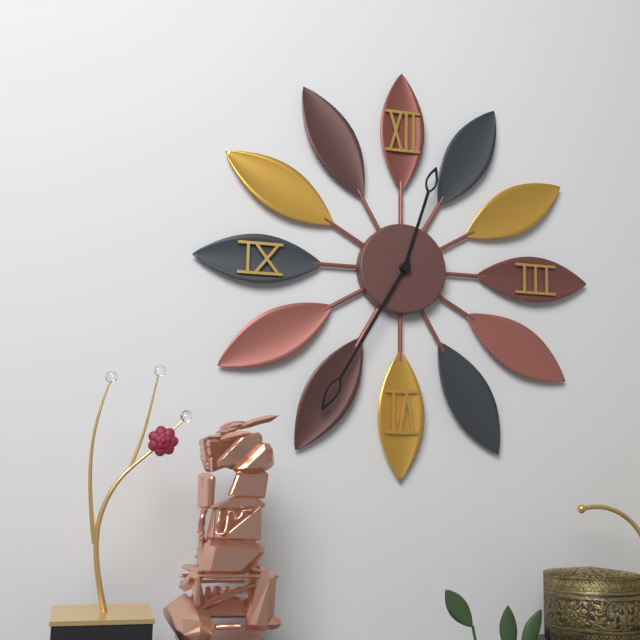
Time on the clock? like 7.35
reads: 12.35
